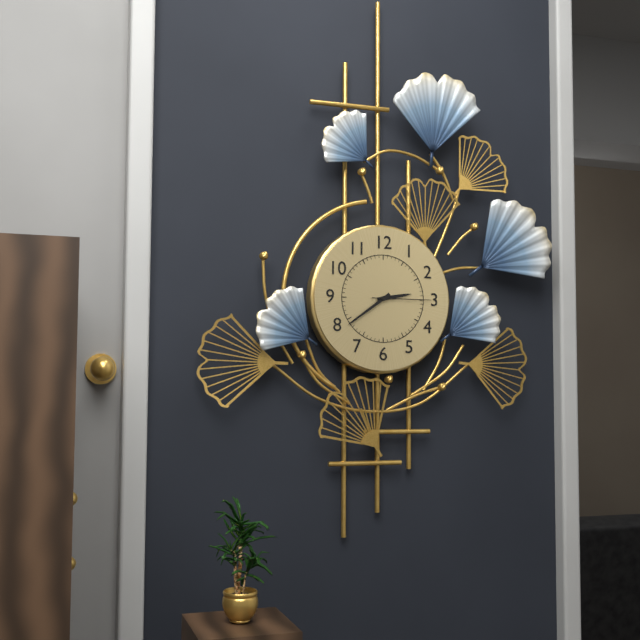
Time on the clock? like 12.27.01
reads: 2.39.15
